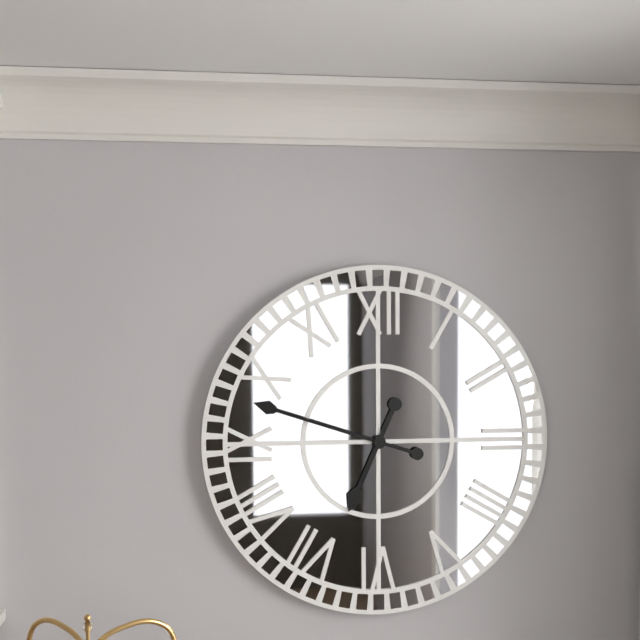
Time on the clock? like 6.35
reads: 6.48
